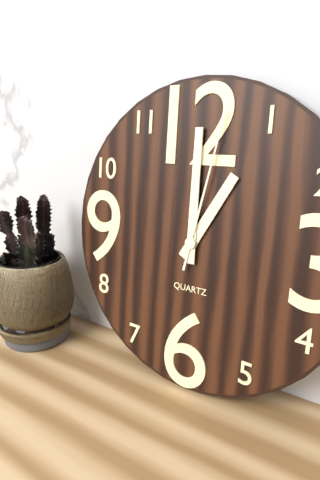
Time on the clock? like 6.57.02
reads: 1.00.02
